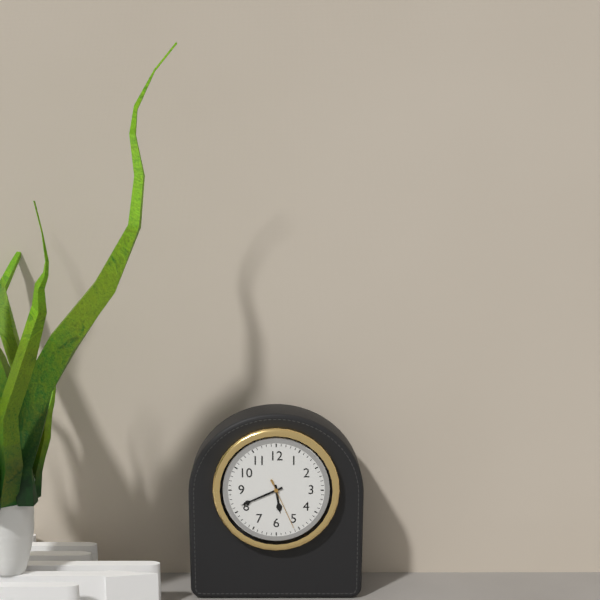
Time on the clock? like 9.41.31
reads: 5.41.26
